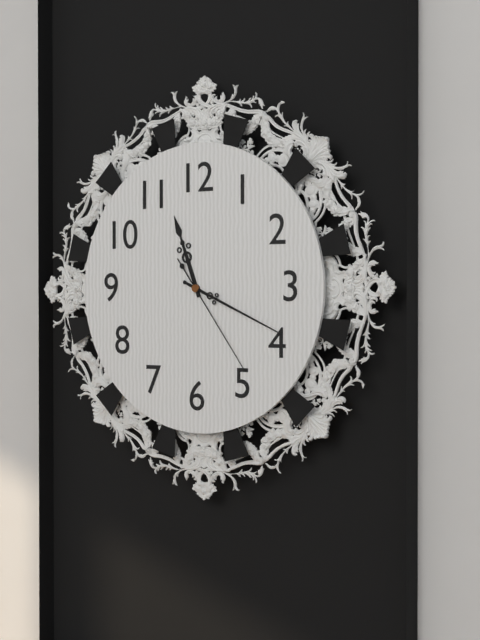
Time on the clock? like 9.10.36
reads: 11.19.24
